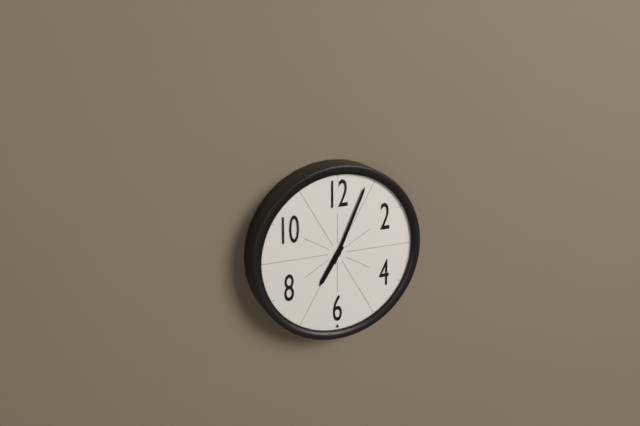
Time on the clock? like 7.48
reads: 7.04
